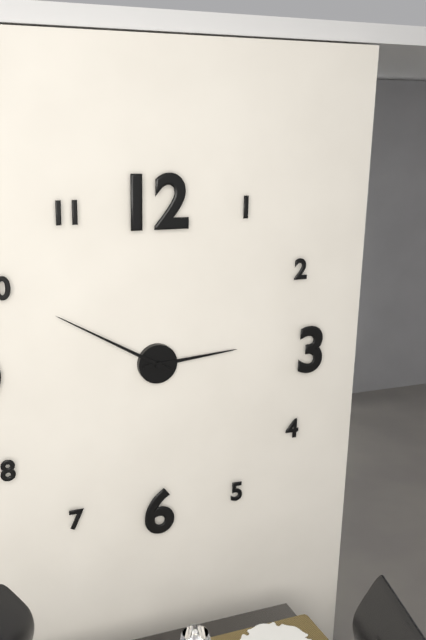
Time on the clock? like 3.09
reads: 2.50
